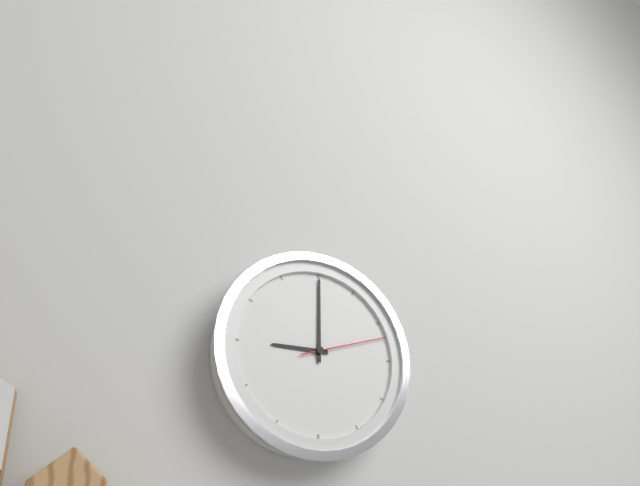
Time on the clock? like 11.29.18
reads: 9.00.12
